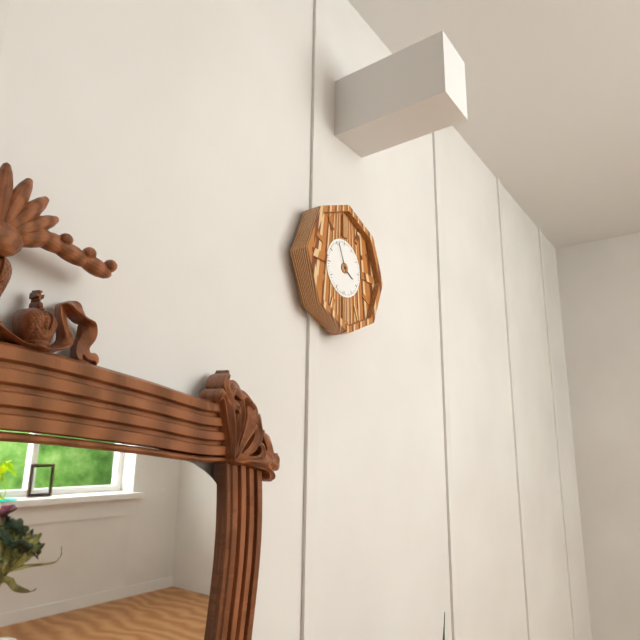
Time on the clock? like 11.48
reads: 3.56
